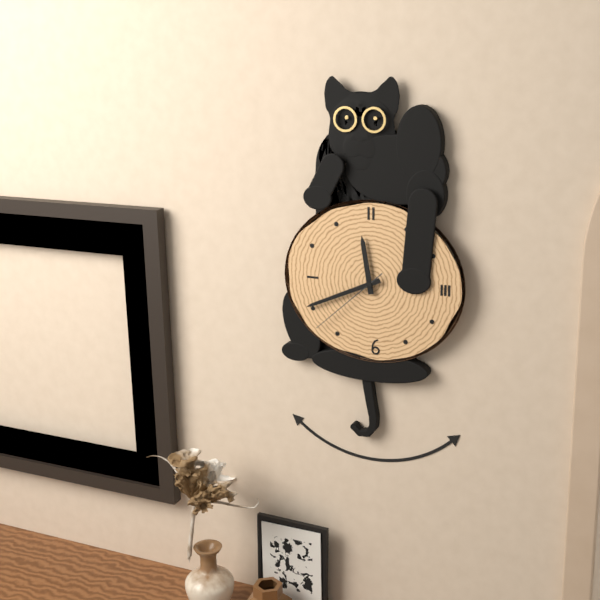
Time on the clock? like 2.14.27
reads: 11.41.38
